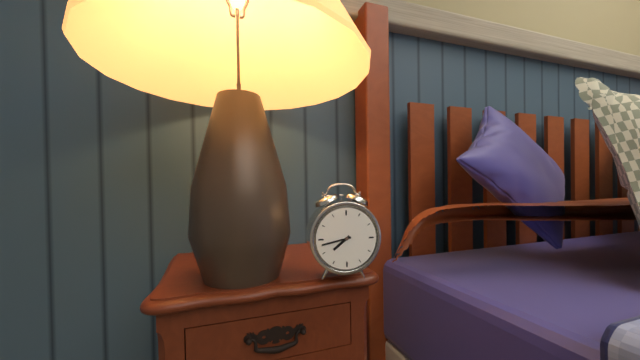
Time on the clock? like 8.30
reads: 7.43
